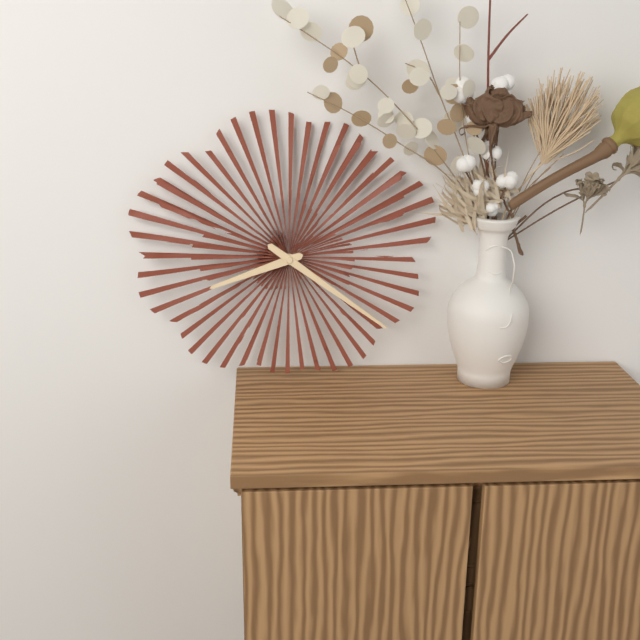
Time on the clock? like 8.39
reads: 8.21
